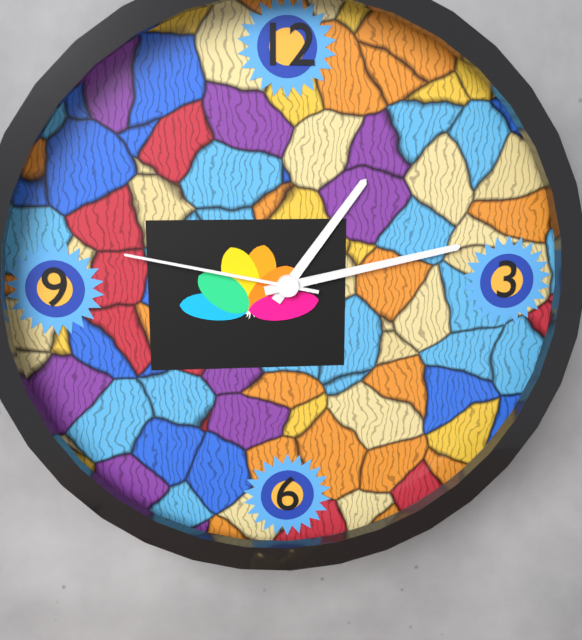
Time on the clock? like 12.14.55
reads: 1.13.47
